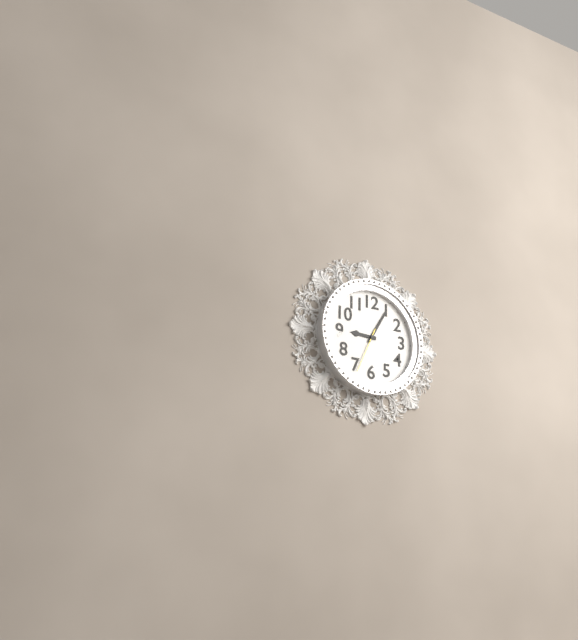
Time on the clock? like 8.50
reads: 9.05
